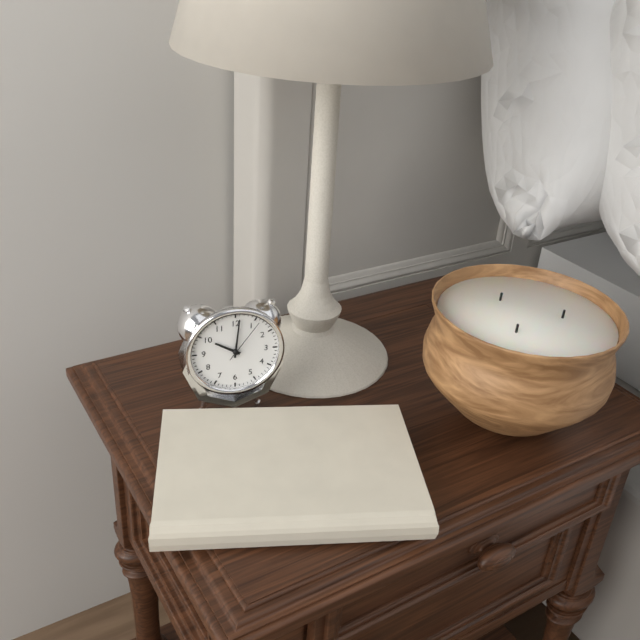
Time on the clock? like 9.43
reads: 10.01
